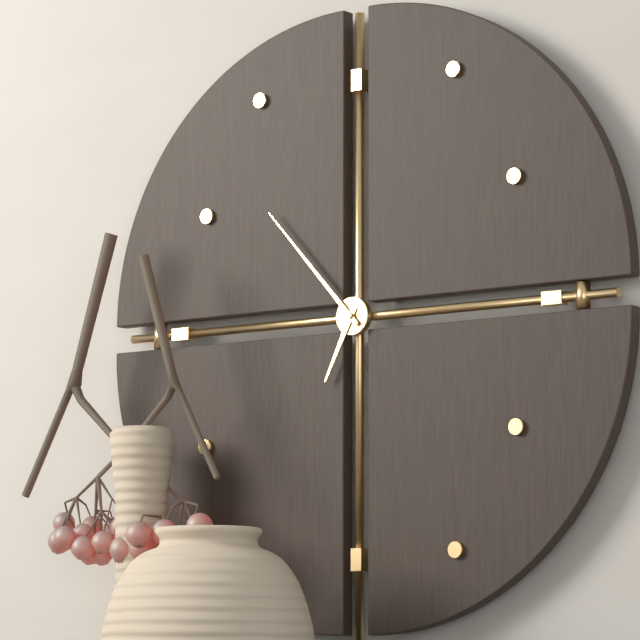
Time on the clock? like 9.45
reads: 6.53
